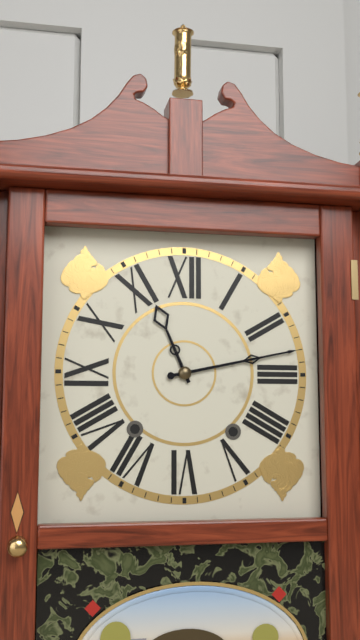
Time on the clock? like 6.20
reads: 11.13
